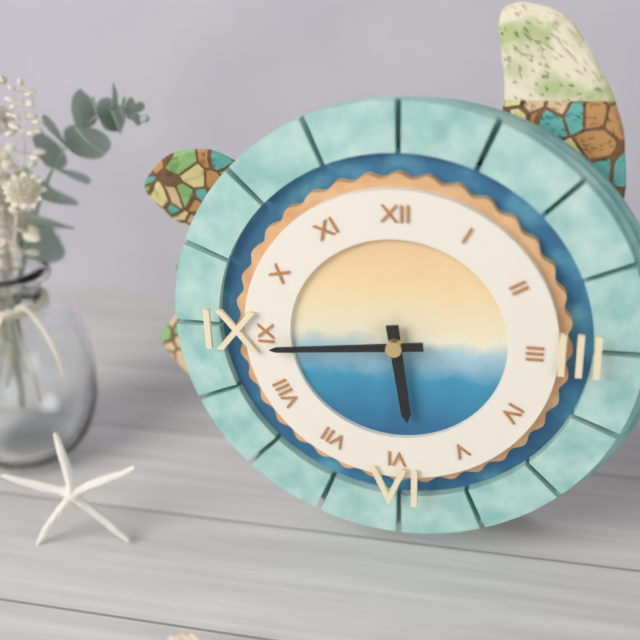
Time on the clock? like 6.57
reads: 5.44
